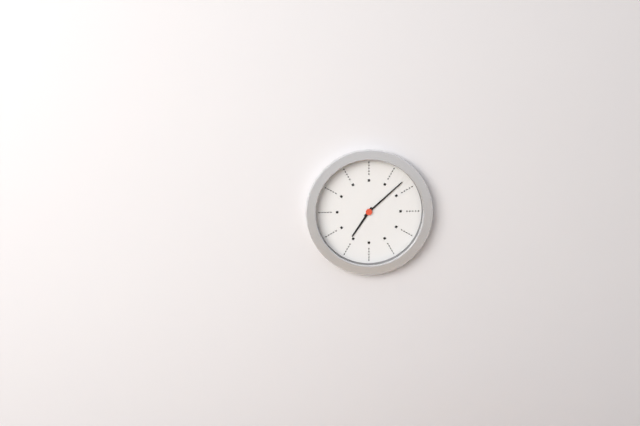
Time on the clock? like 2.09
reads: 7.08
